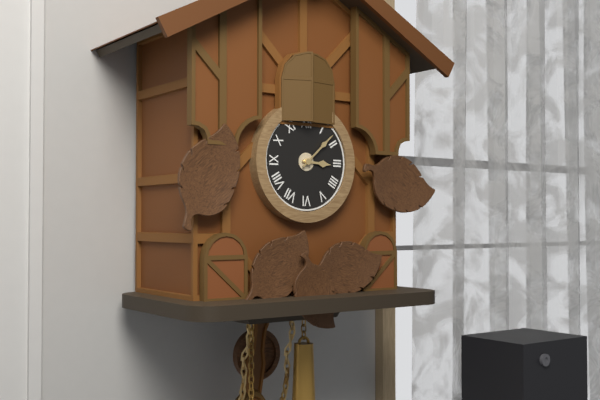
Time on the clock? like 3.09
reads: 3.08
